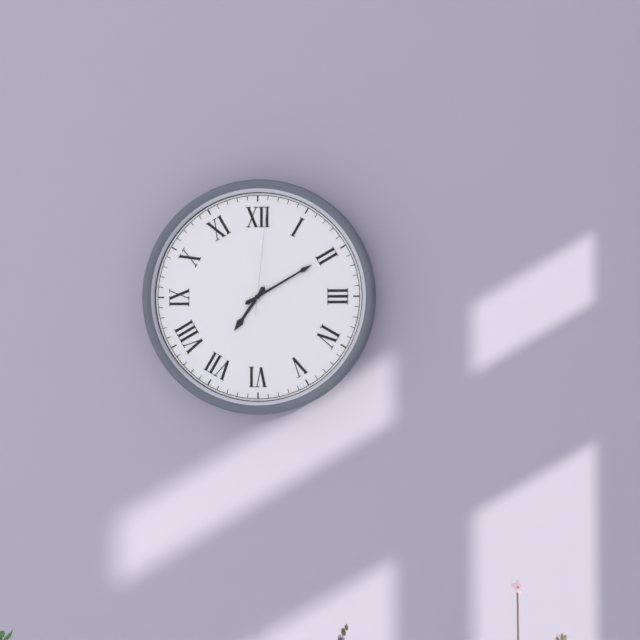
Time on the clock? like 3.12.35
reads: 7.10.01
